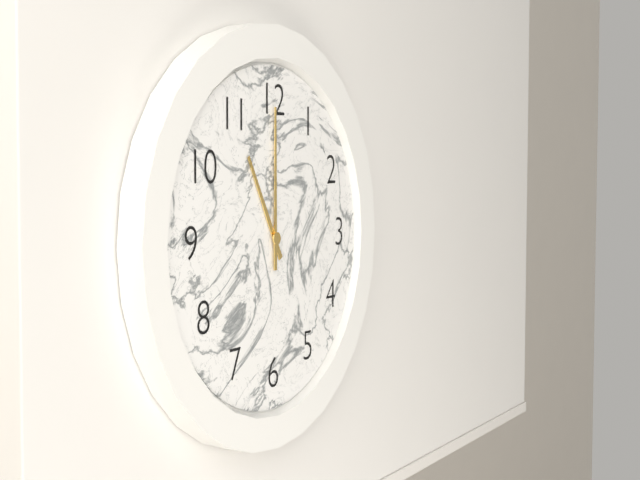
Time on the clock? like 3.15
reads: 11.00
